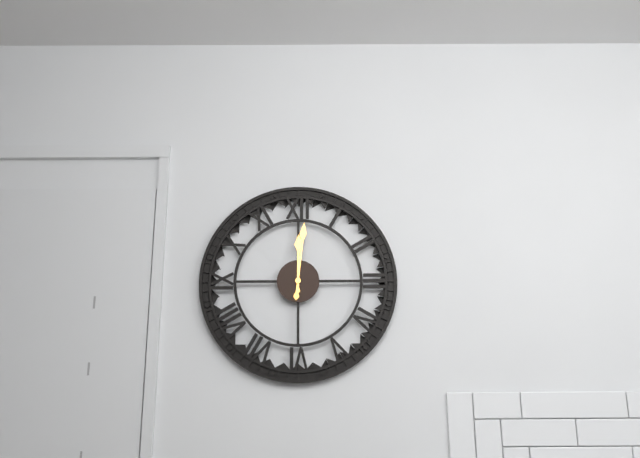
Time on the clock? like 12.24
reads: 12.01
